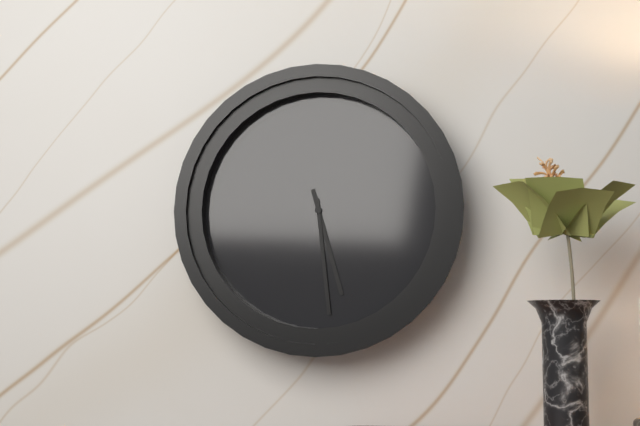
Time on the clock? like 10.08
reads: 5.29
